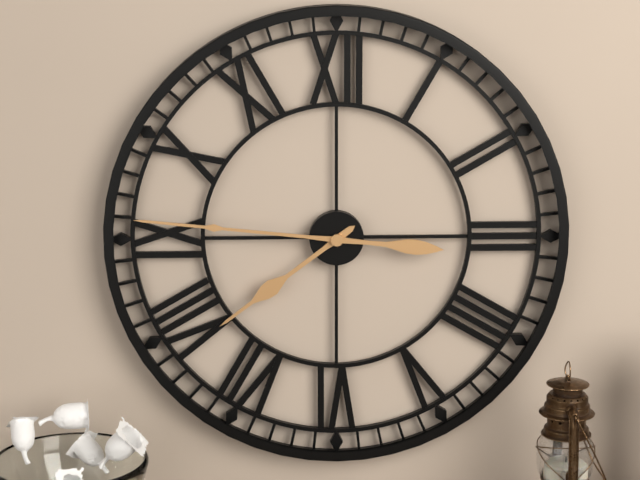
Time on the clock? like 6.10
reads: 7.46
